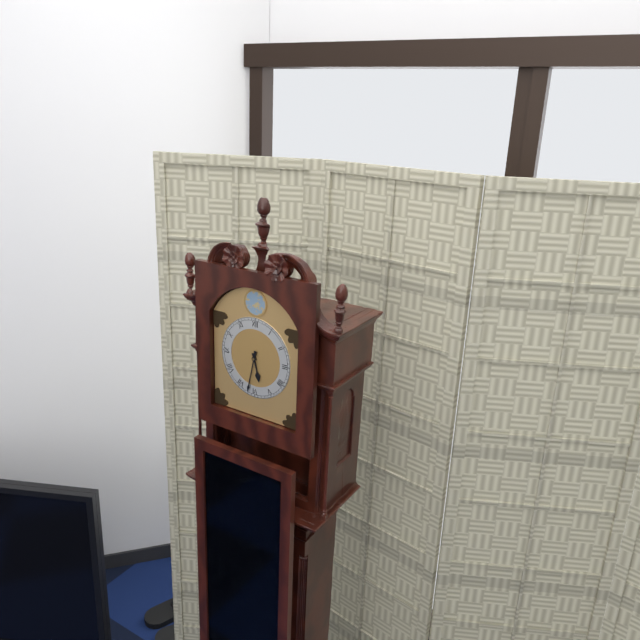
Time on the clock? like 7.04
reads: 5.32
